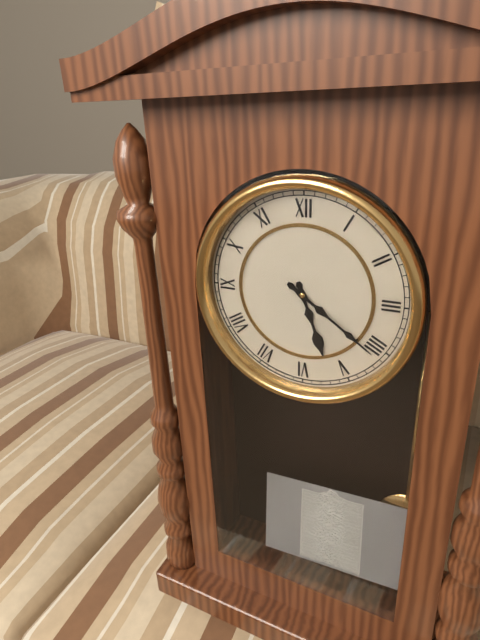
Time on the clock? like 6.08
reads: 5.21
